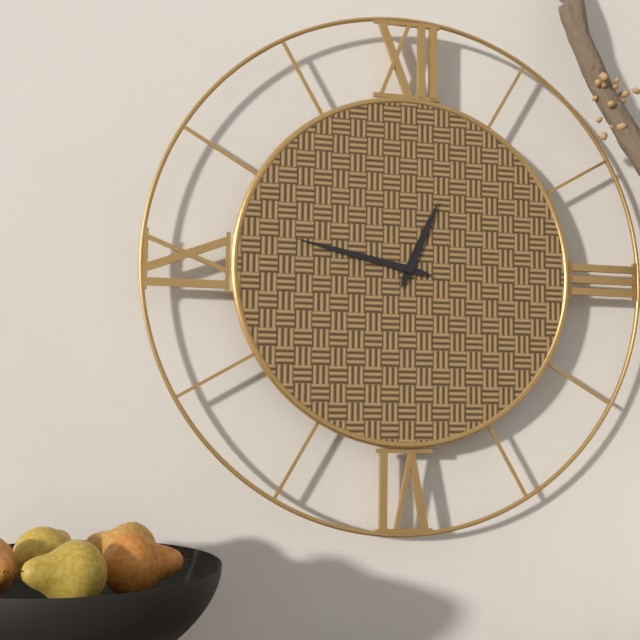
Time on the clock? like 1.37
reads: 12.47
